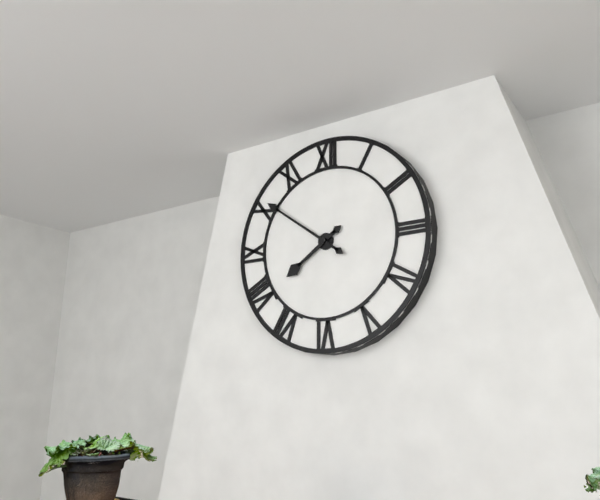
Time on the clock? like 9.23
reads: 7.51
